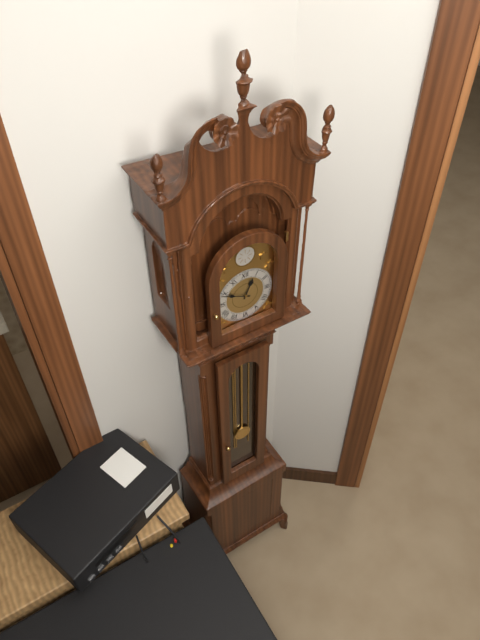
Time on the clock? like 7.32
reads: 12.49
